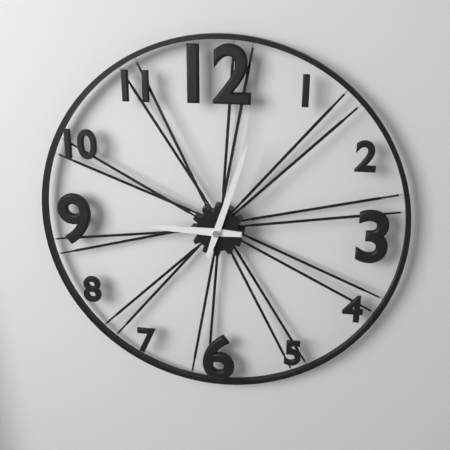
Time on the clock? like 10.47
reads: 9.03
